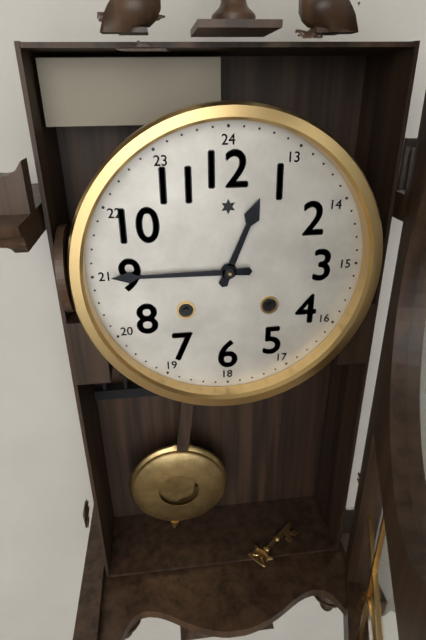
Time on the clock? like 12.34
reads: 12.45
